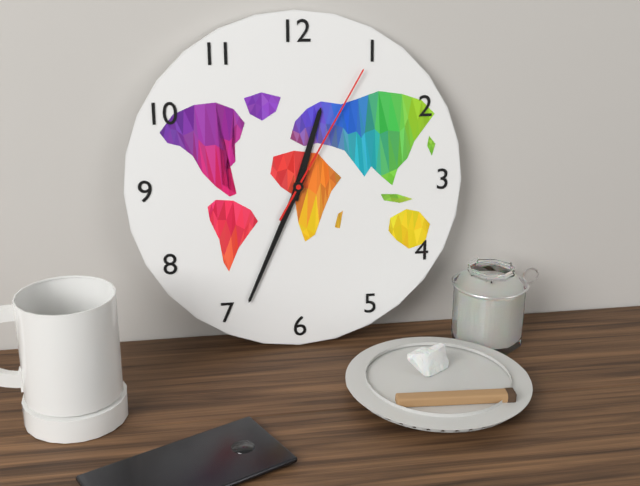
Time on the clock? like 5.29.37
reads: 12.34.05
